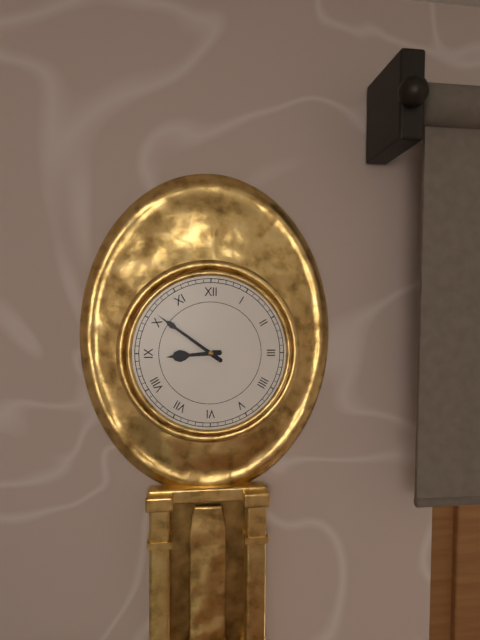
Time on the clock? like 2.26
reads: 8.51
